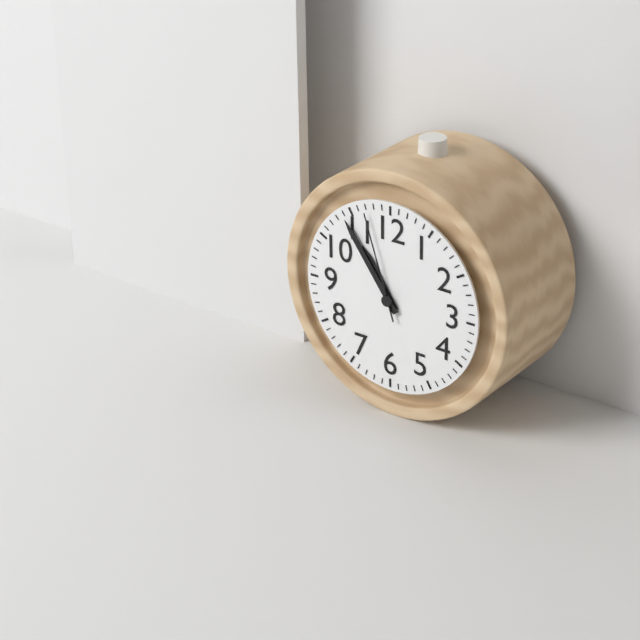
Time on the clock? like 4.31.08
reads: 10.54.57
